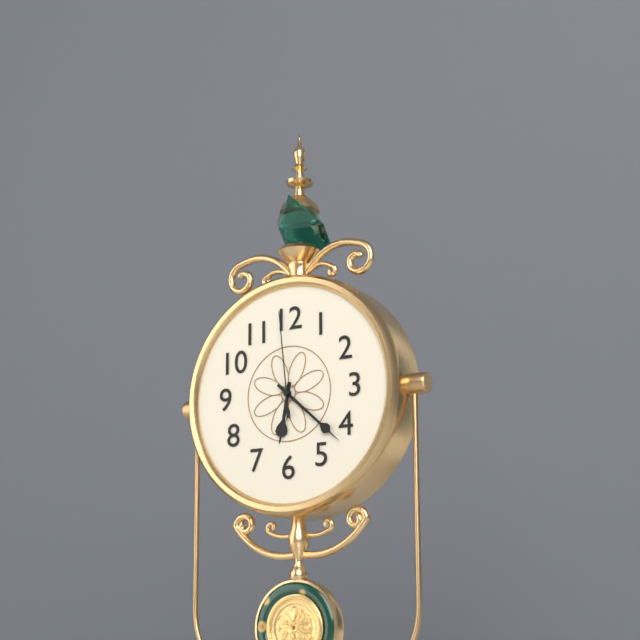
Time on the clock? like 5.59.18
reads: 6.22.59
